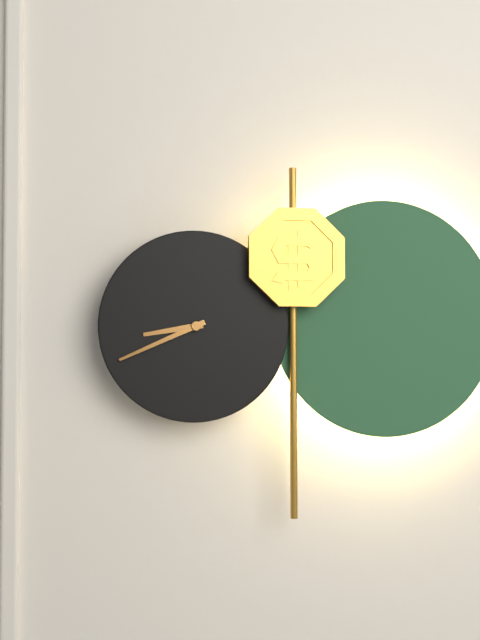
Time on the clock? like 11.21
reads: 8.41
